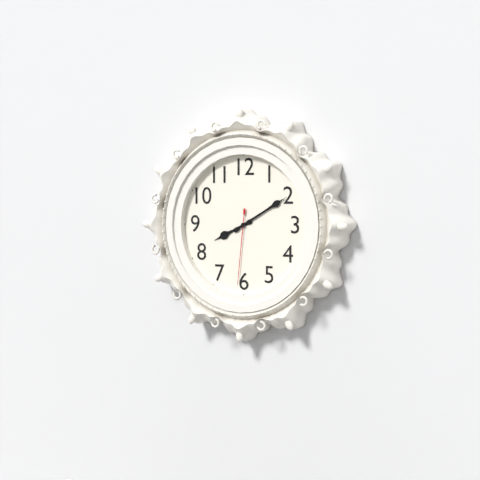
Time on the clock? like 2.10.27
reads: 8.10.31
